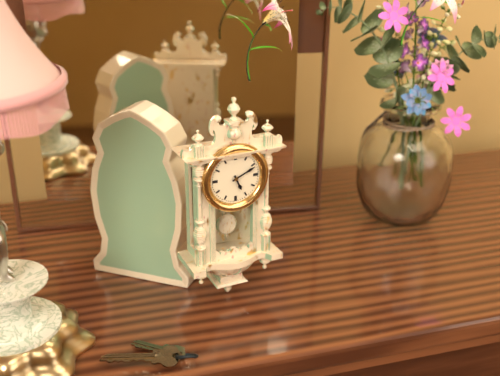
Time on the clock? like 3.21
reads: 5.11
